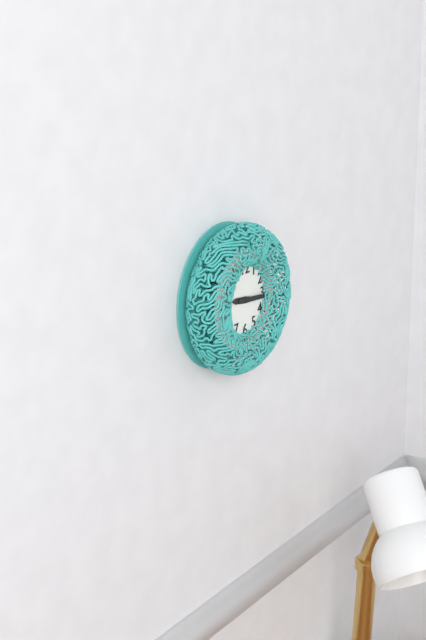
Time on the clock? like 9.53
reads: 9.16
